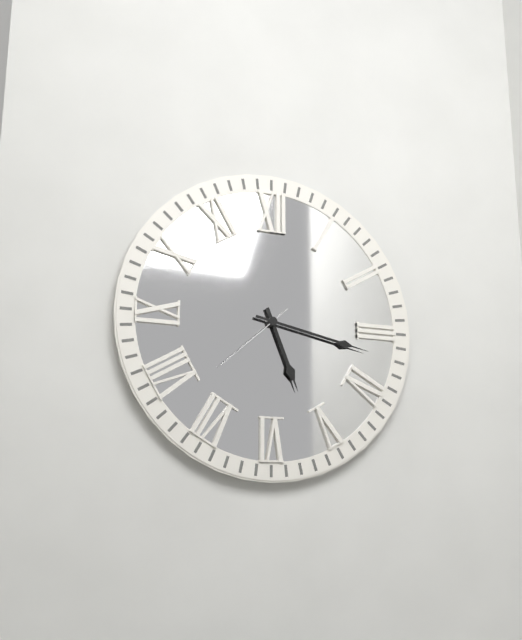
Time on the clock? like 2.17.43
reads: 5.17.38
